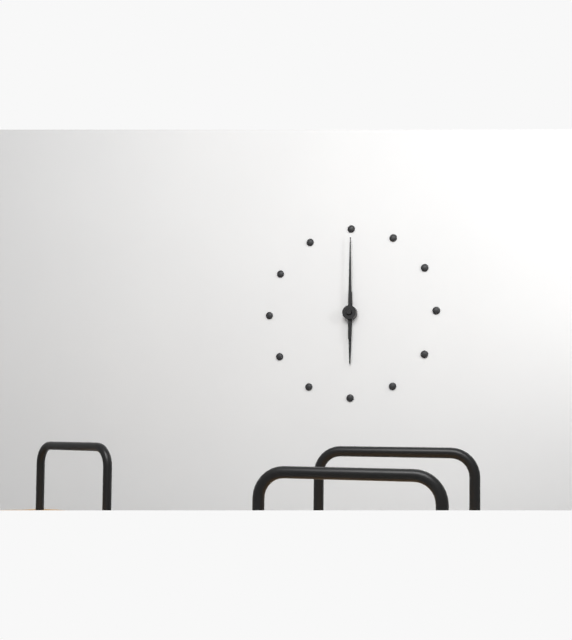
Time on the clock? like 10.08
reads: 6.00
